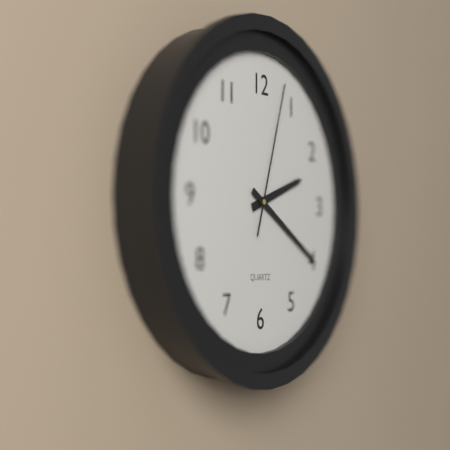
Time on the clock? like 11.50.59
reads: 2.20.03
